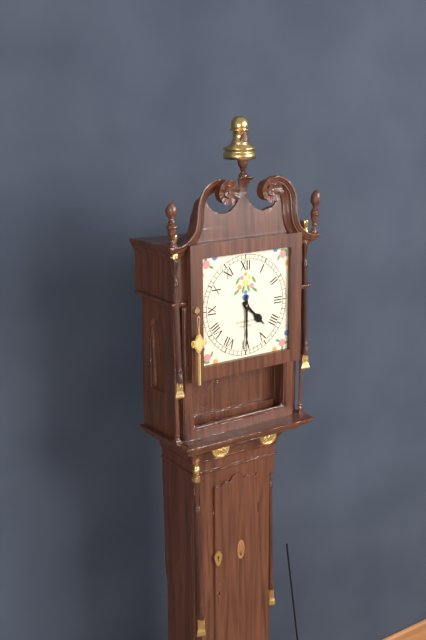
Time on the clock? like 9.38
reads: 4.30
